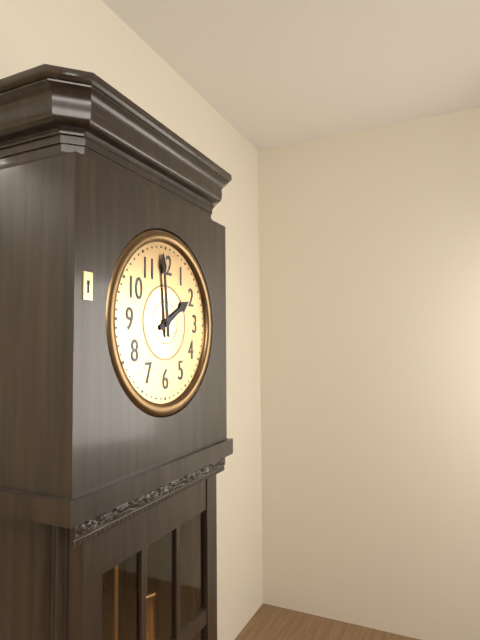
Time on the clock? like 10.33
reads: 1.59
